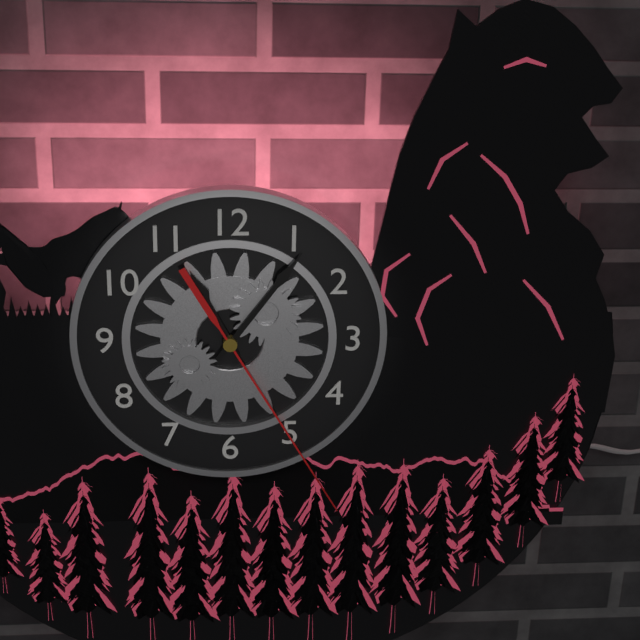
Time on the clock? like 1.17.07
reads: 11.06.25
